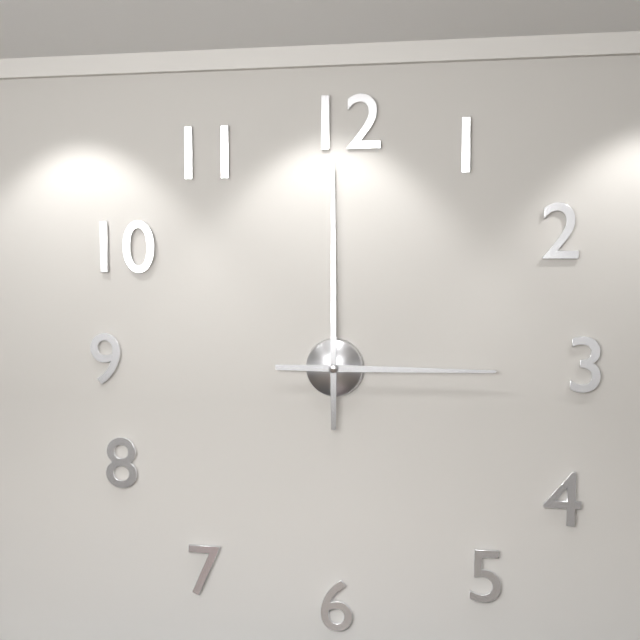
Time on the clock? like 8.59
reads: 3.00
